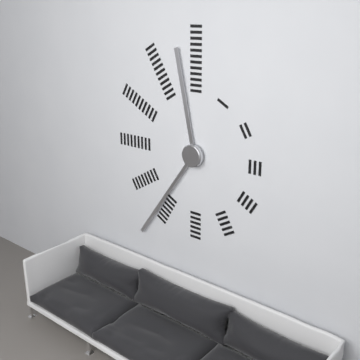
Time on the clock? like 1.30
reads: 11.36
